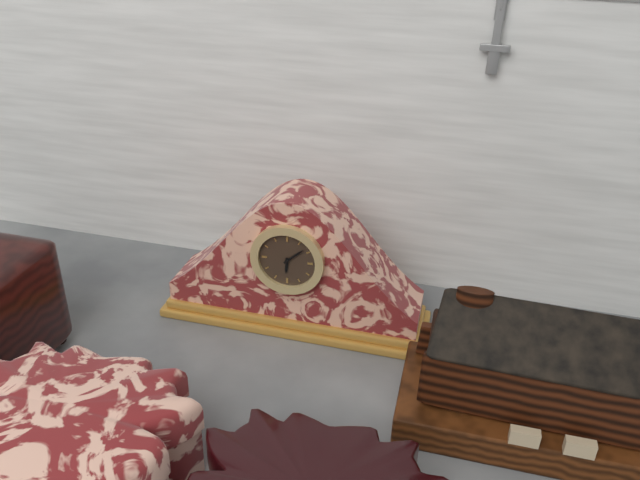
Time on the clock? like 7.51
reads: 6.08
